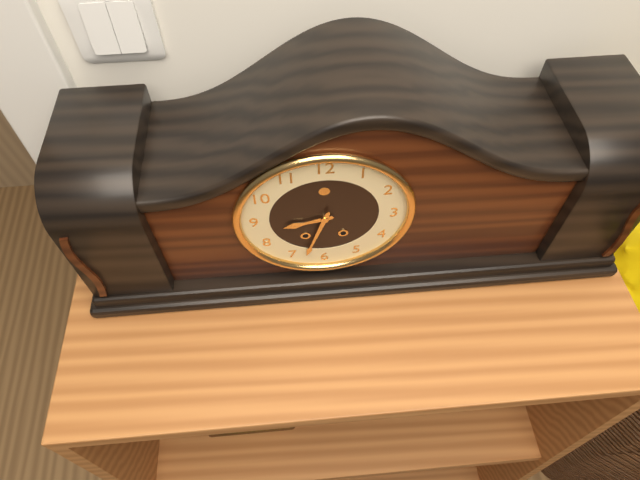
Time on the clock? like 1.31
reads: 8.33
